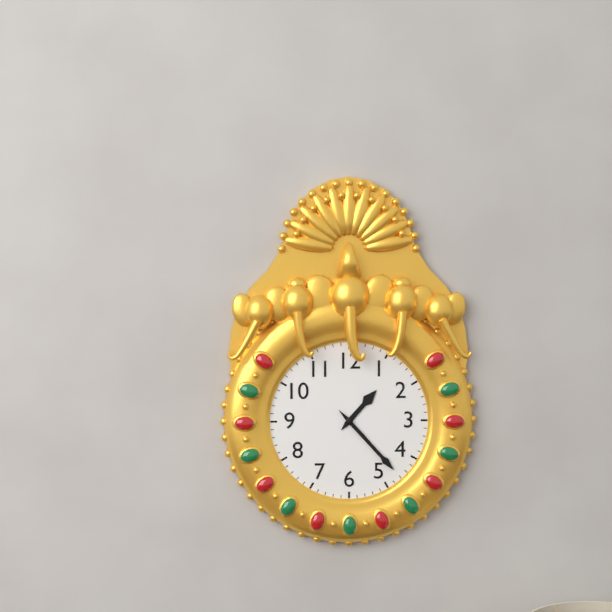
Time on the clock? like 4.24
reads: 1.23
